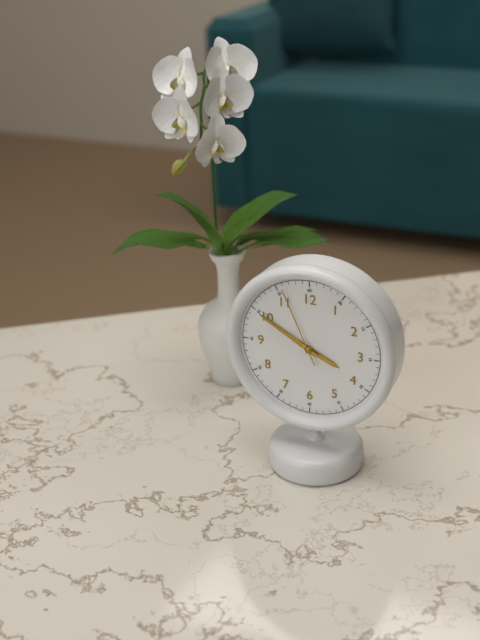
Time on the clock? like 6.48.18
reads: 3.50.56
